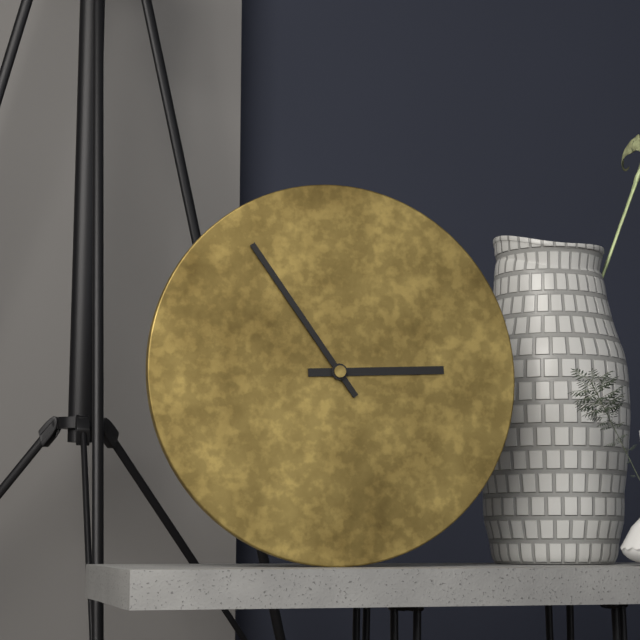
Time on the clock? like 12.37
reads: 2.54
